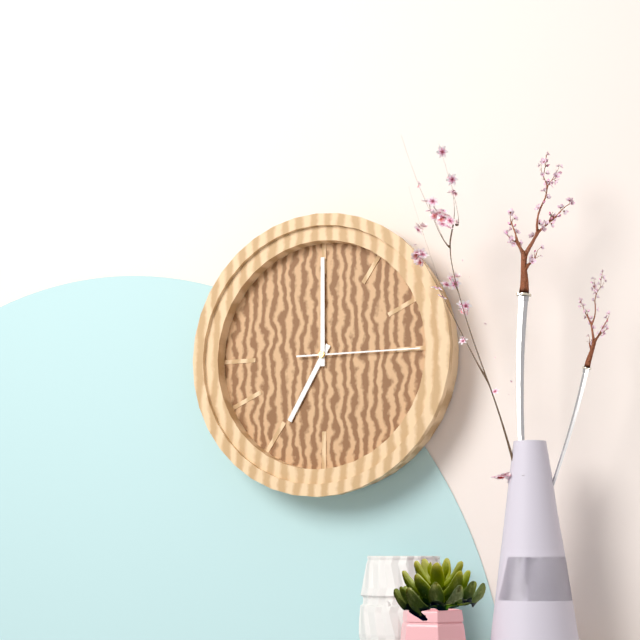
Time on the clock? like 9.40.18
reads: 7.00.15
